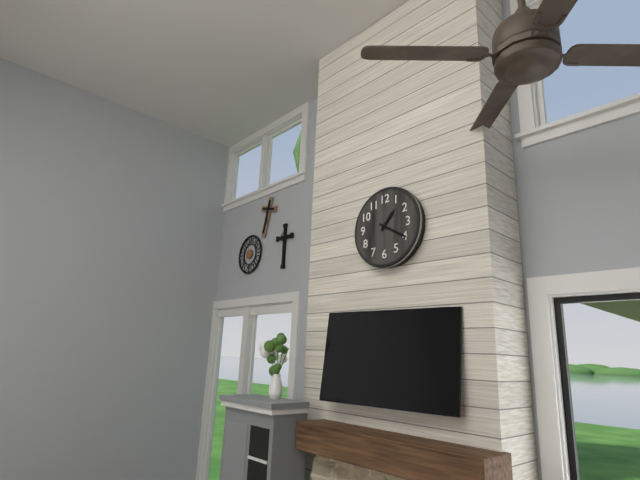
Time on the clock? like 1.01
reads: 1.20
